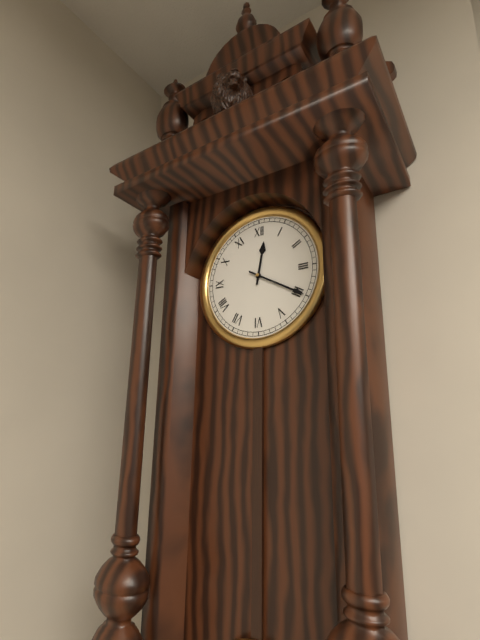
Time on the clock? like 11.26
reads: 12.20
